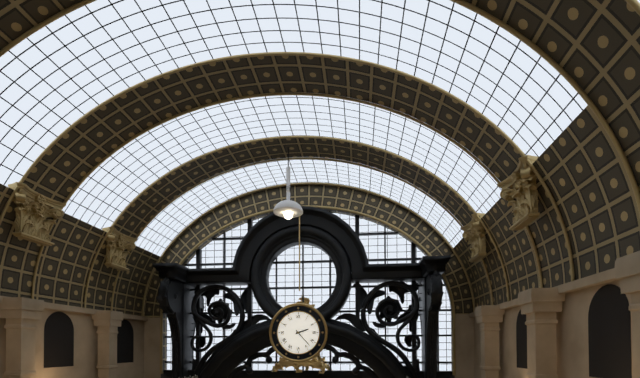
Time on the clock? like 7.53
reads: 2.23
